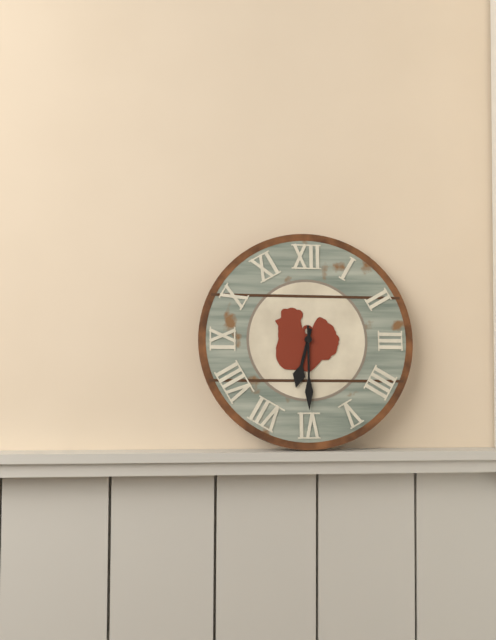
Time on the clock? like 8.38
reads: 6.30
